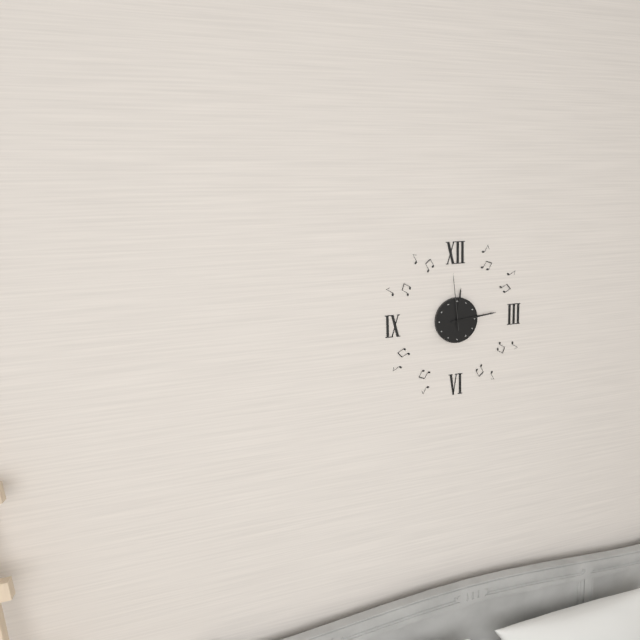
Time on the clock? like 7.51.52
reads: 12.14.59
